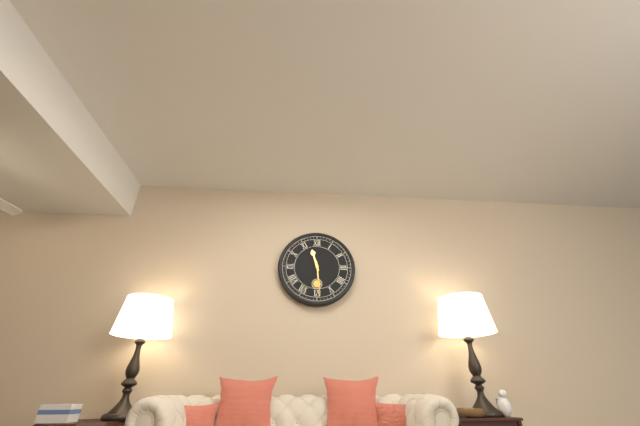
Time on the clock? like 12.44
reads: 11.29
